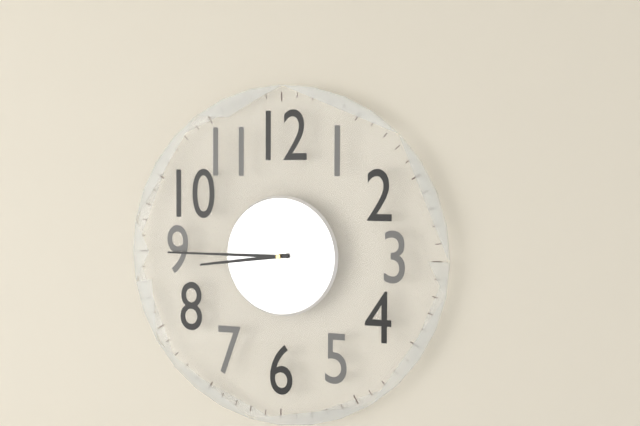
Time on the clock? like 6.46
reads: 8.45
